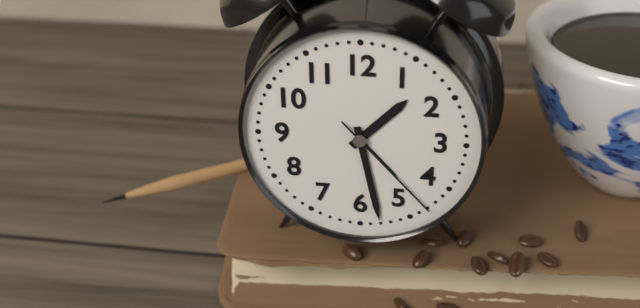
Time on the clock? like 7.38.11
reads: 1.28.23
